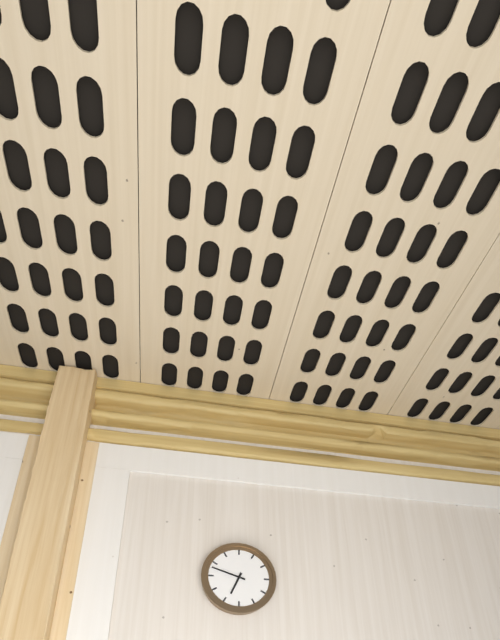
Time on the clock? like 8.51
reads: 6.48
